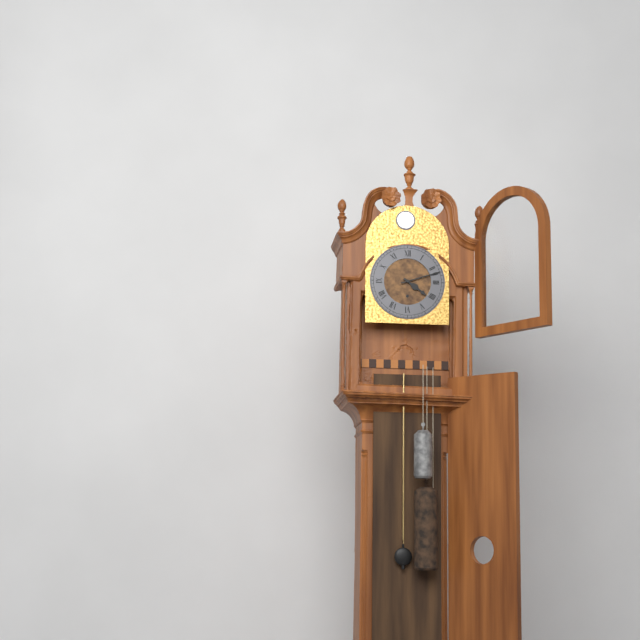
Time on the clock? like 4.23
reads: 4.12
